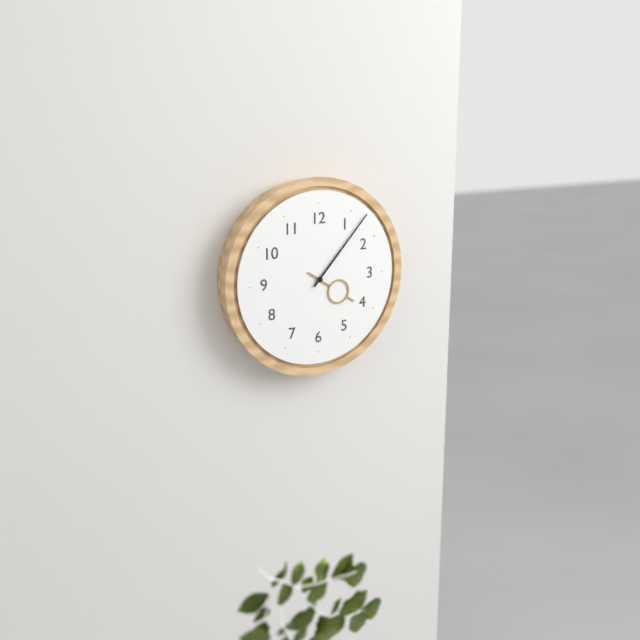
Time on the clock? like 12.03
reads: 4.07
